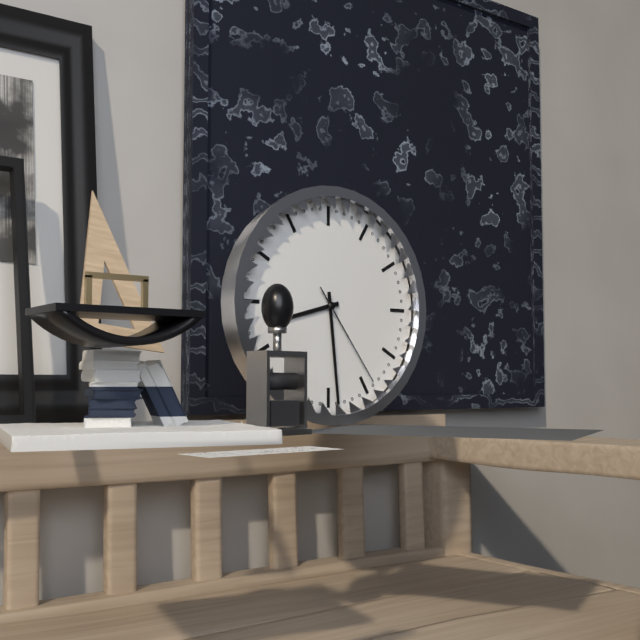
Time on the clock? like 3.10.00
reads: 8.29.24
